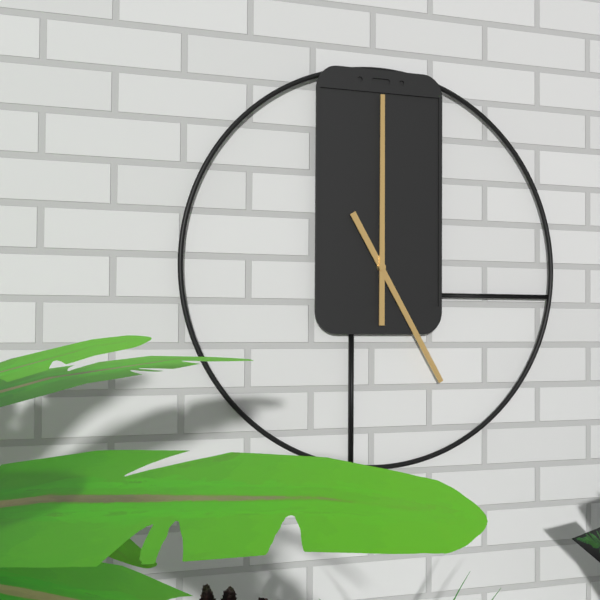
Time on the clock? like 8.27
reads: 5.00
